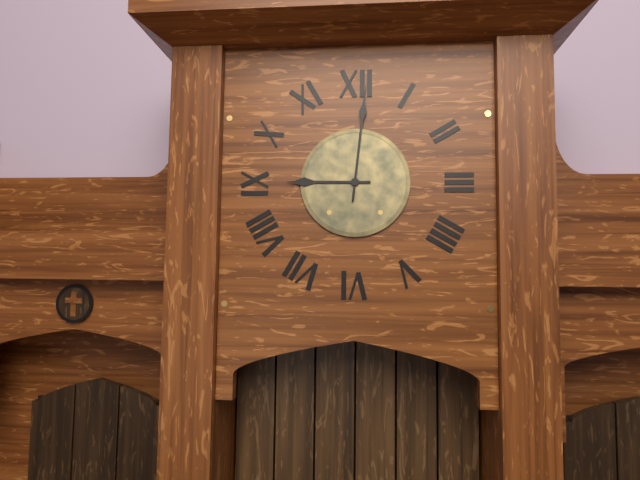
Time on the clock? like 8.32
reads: 9.01
